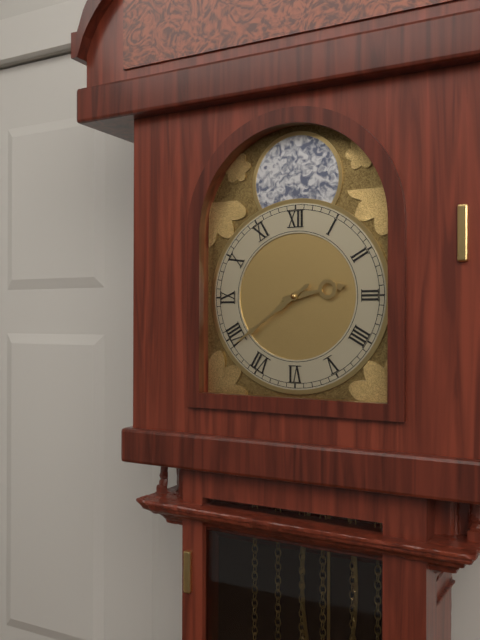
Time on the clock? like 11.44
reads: 2.39
